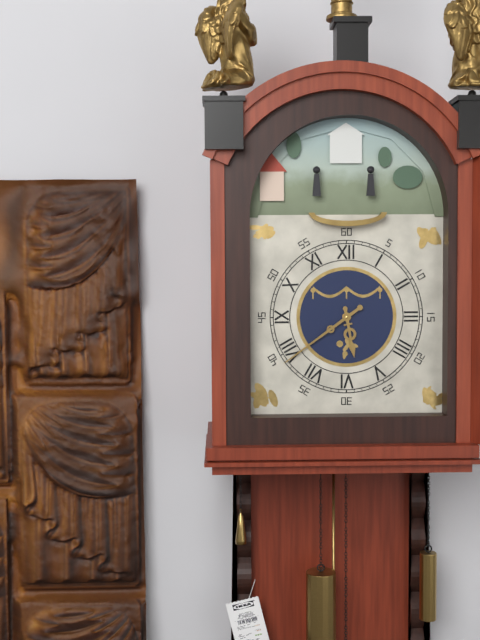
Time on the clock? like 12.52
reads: 5.39
